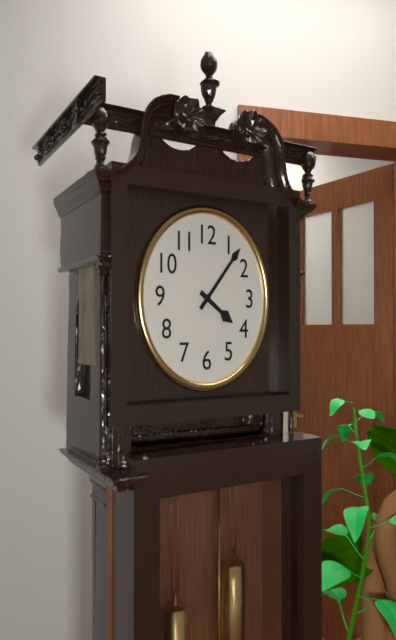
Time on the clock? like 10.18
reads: 4.07
